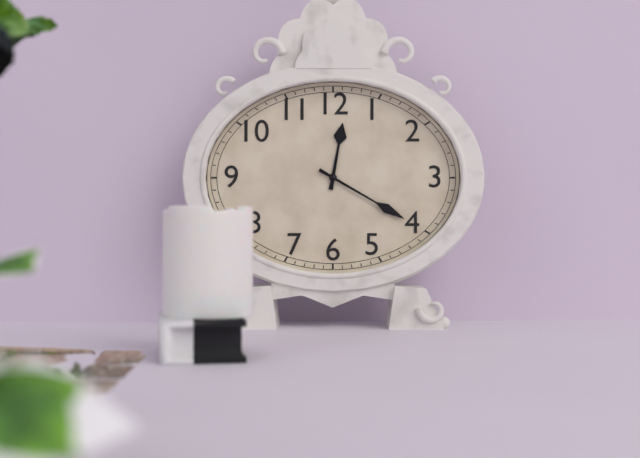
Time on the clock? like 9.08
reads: 12.20
